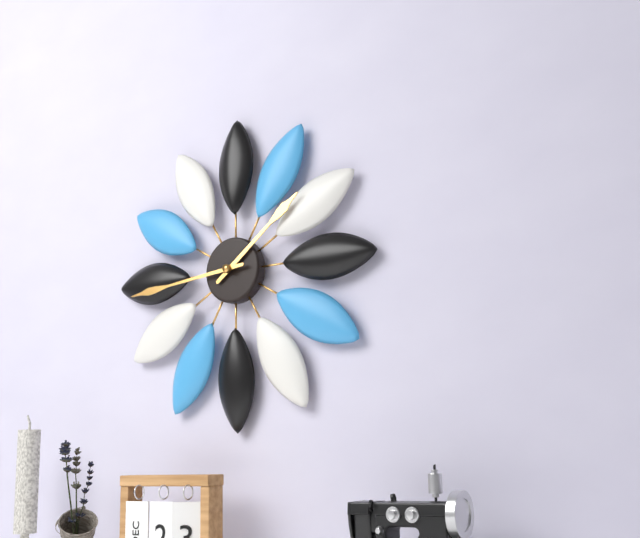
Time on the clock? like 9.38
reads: 1.44
